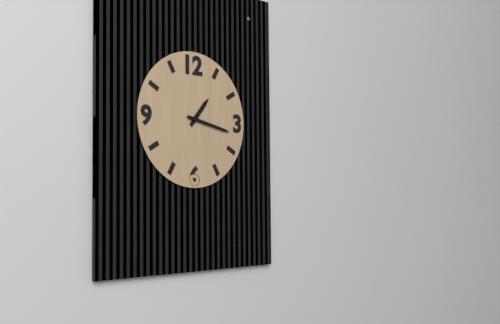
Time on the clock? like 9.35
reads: 1.17
